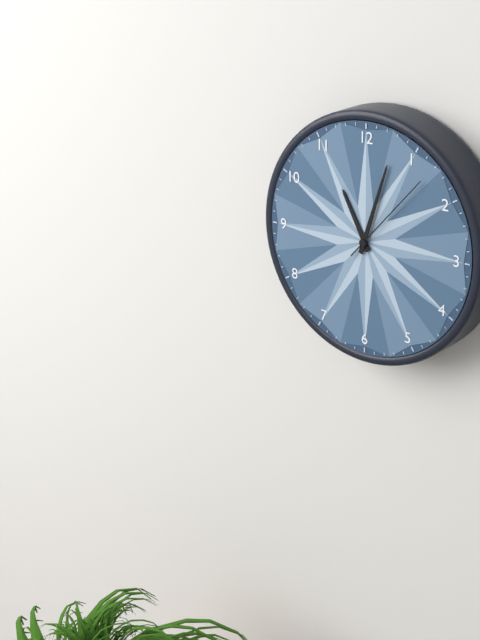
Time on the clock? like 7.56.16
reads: 11.03.07
